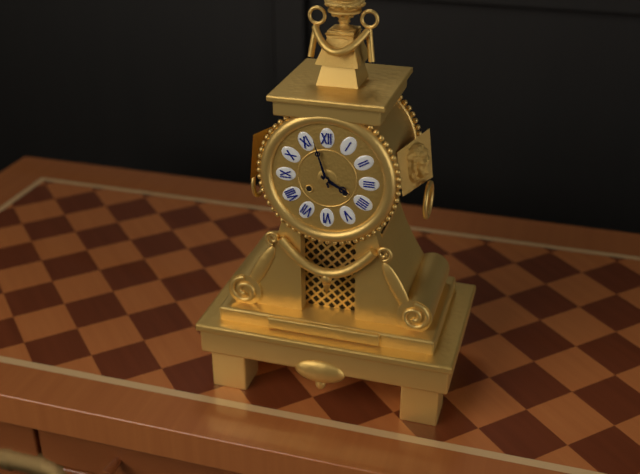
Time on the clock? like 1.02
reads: 3.57
